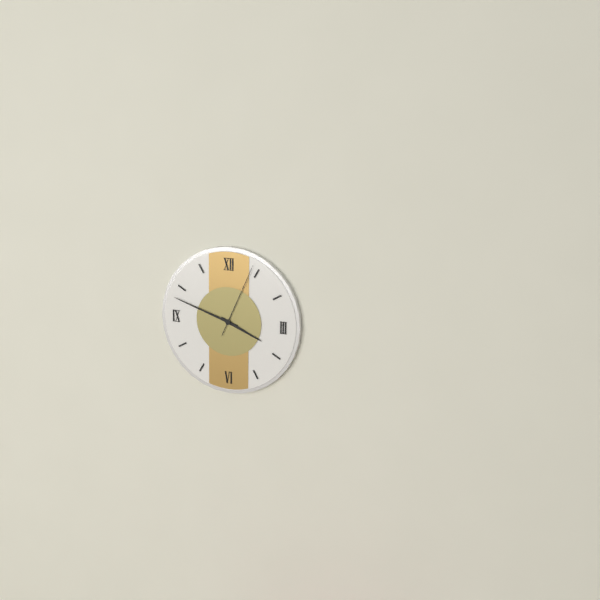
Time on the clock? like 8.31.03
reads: 3.48.04
